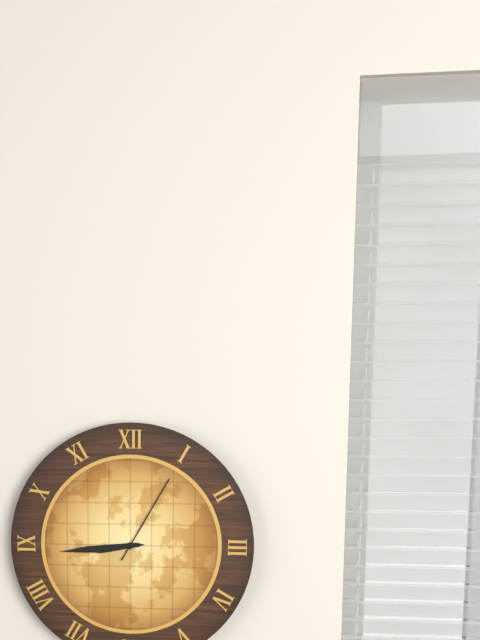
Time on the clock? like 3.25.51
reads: 8.44.05
